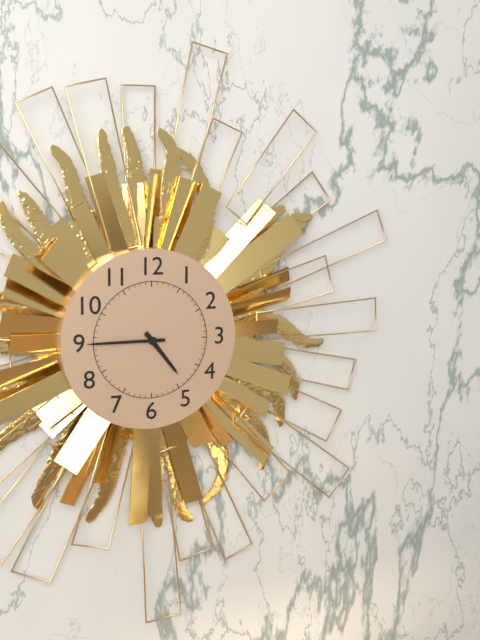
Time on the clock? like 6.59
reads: 4.45
